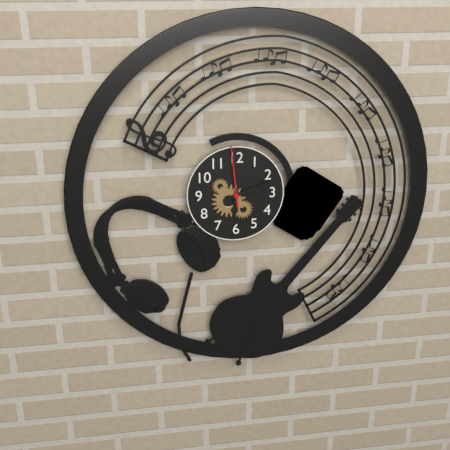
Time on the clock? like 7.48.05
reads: 6.12.59
